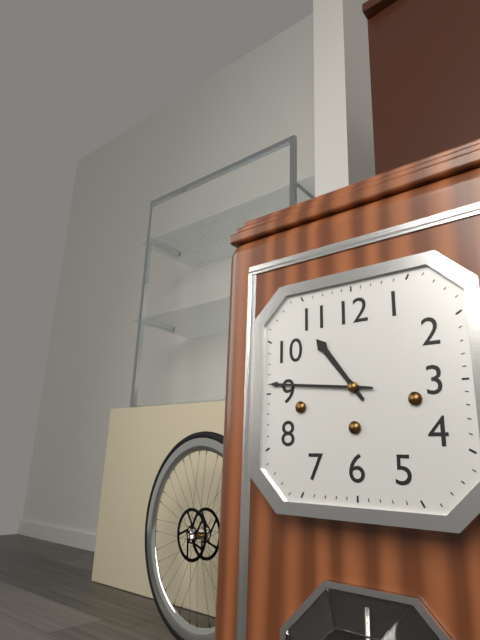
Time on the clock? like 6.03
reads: 10.46
